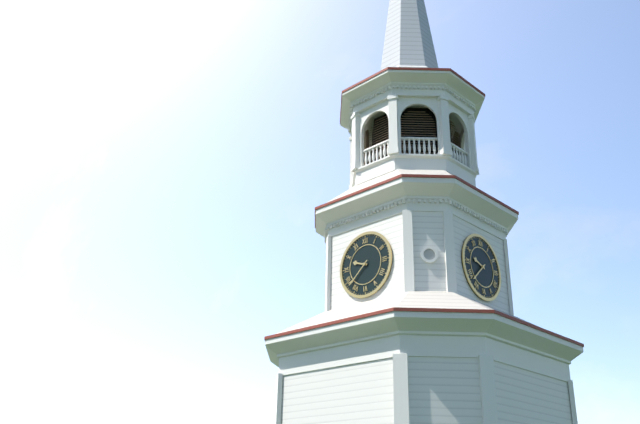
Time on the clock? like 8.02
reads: 9.38
